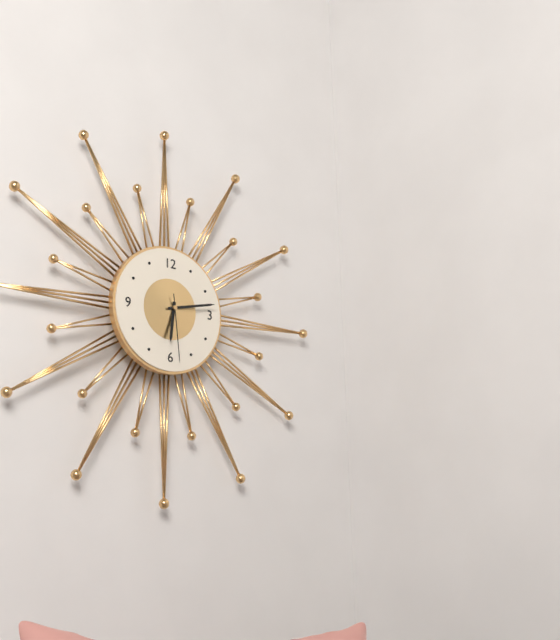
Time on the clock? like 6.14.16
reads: 6.13.29
